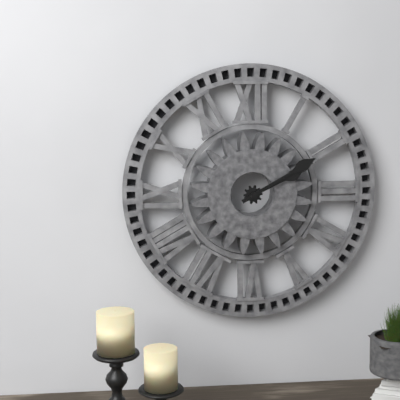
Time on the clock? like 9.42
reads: 2.10
